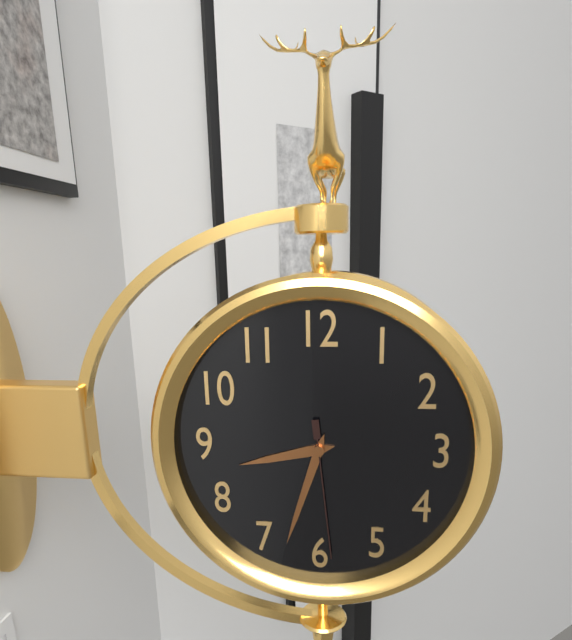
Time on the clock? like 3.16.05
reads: 8.33.29
